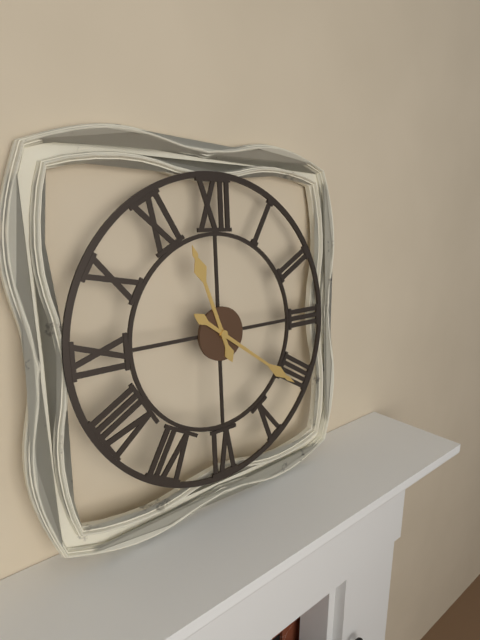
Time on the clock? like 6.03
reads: 11.21
